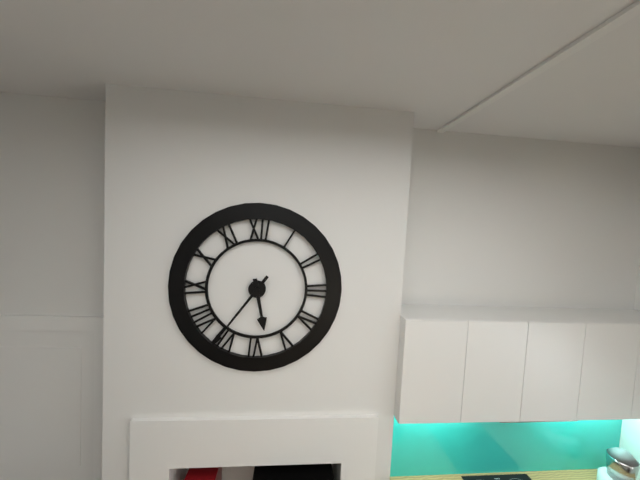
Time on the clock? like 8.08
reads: 5.36
